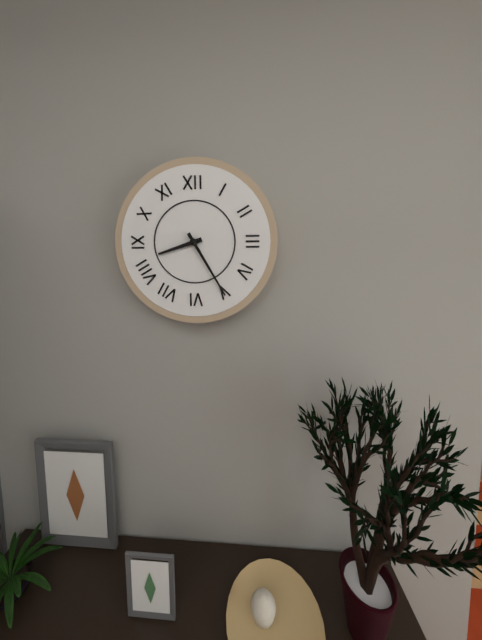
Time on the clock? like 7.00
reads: 8.25
